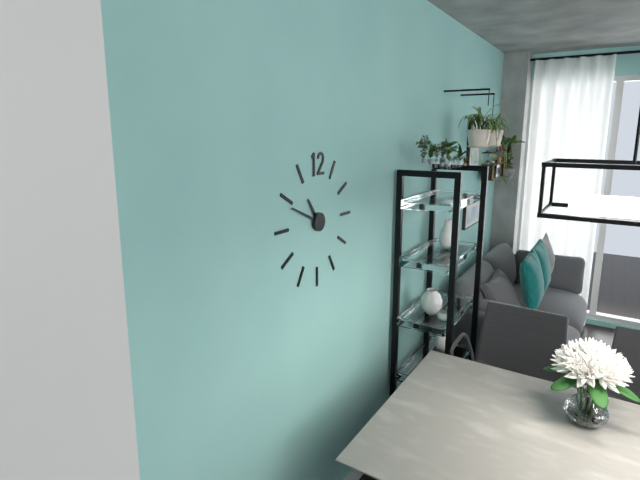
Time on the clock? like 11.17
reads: 10.49
